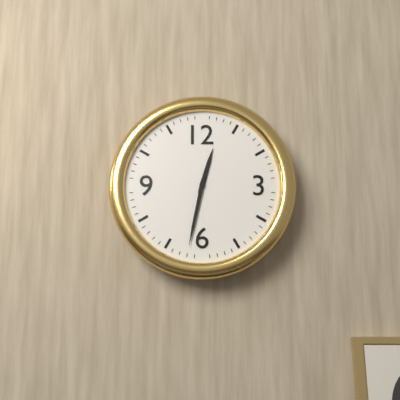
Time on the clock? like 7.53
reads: 12.32
